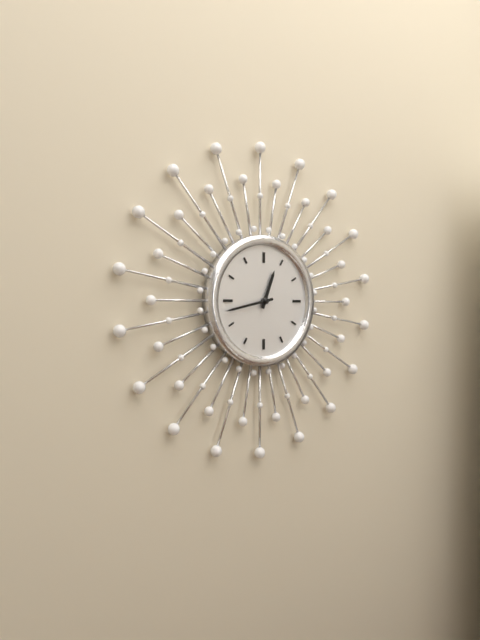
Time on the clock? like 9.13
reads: 12.43
